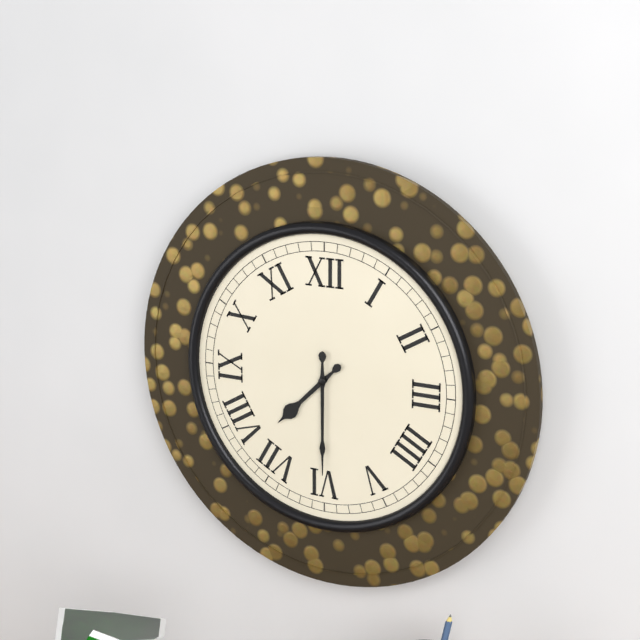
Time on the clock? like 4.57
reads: 7.30
